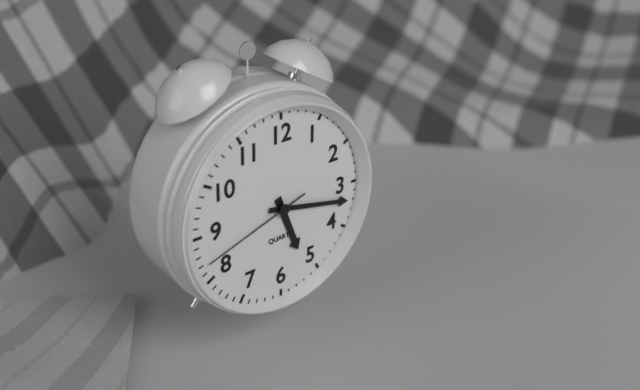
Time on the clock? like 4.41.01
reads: 5.17.42
